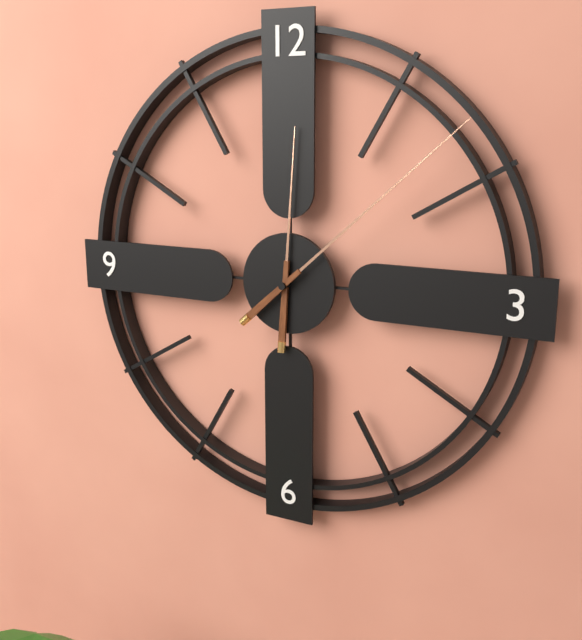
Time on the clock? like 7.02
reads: 12.08
